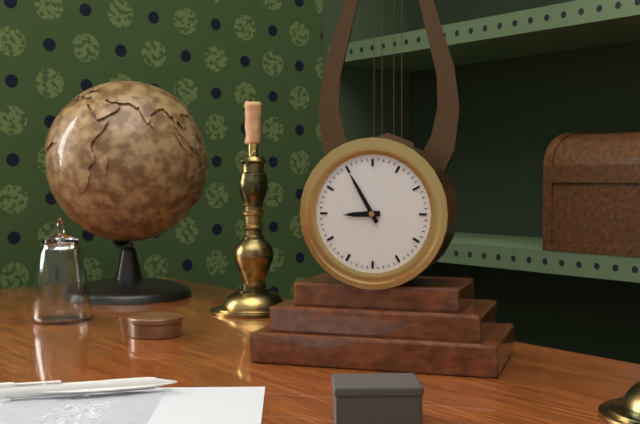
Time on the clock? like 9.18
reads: 8.55
